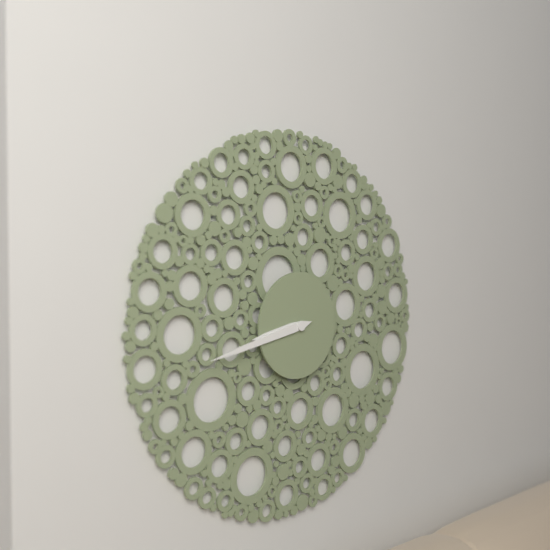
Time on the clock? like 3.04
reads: 8.43
